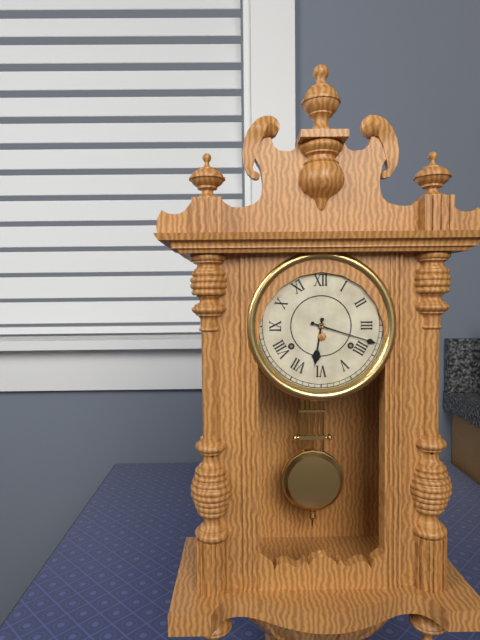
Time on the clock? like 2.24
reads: 6.18
